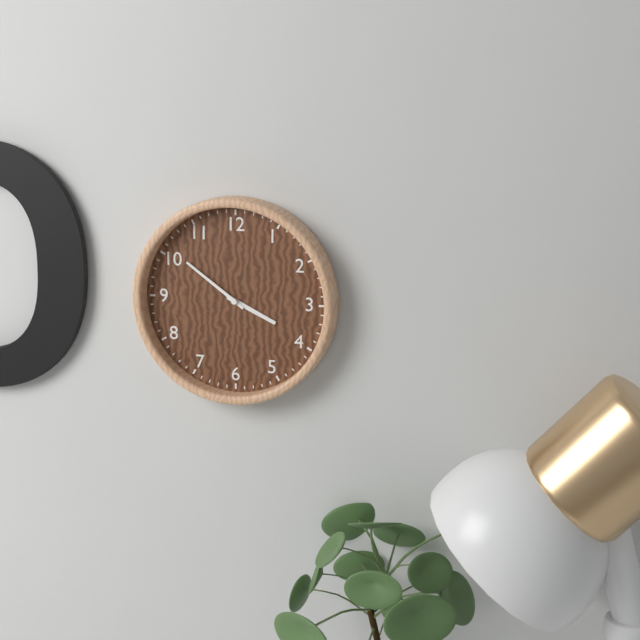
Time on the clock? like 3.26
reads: 3.51
